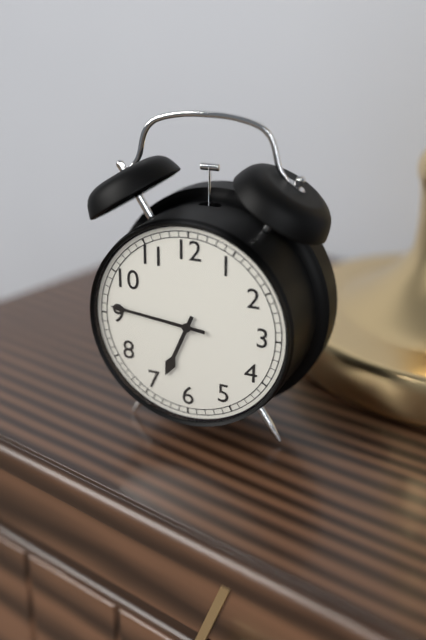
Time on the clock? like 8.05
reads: 6.46
